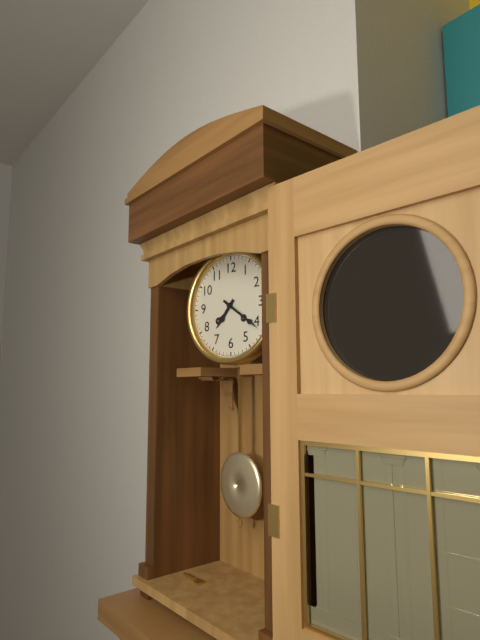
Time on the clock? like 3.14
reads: 7.21
